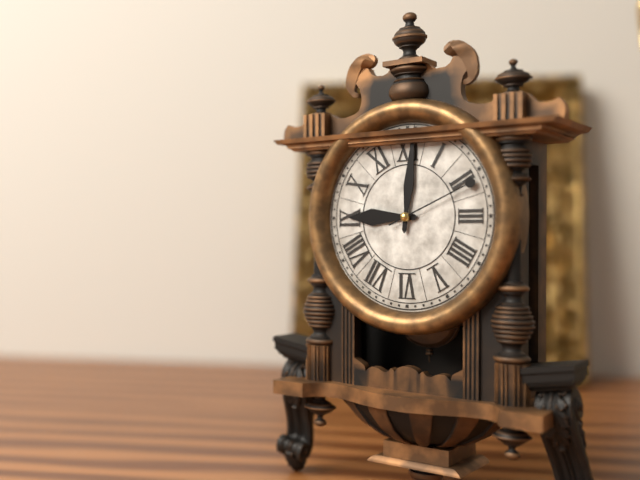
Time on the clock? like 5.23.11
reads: 9.01.11
